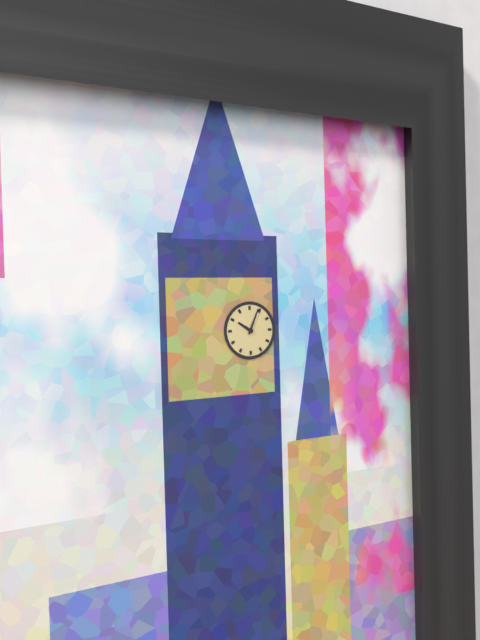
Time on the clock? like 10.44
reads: 10.04
